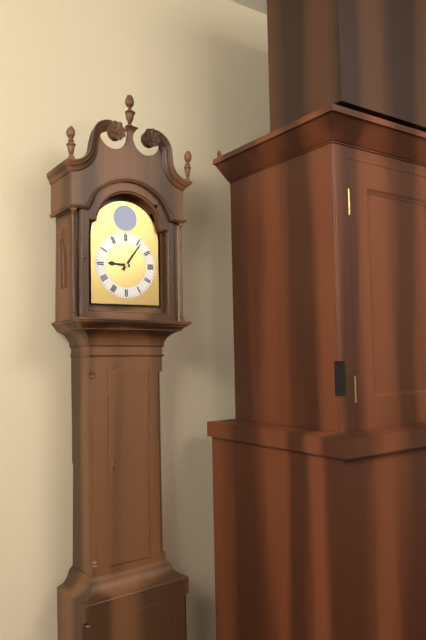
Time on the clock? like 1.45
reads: 9.06
